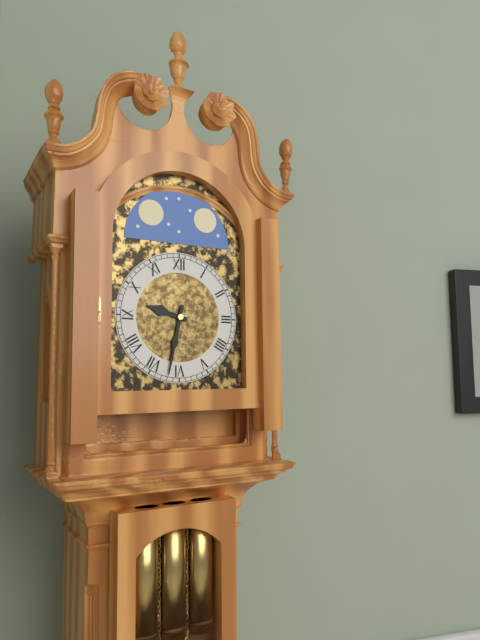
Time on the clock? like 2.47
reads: 9.32
